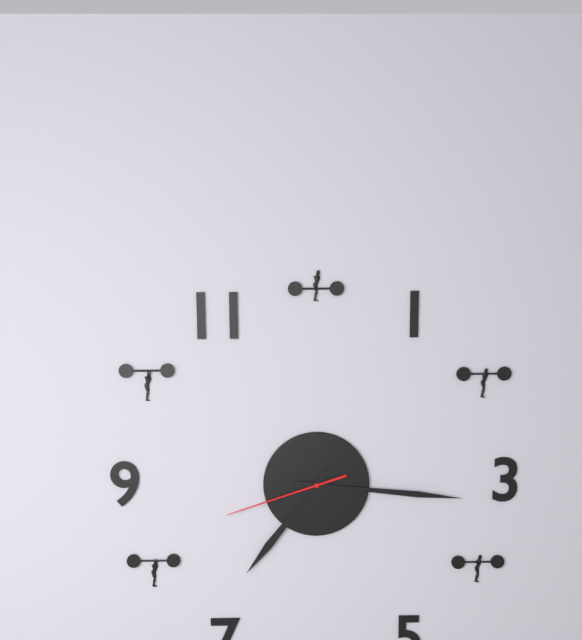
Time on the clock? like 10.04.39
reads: 7.16.42
